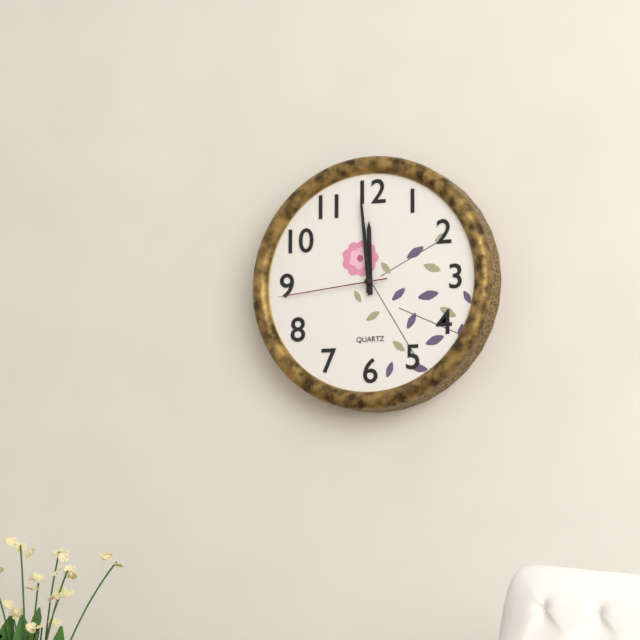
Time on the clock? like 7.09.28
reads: 11.59.44
